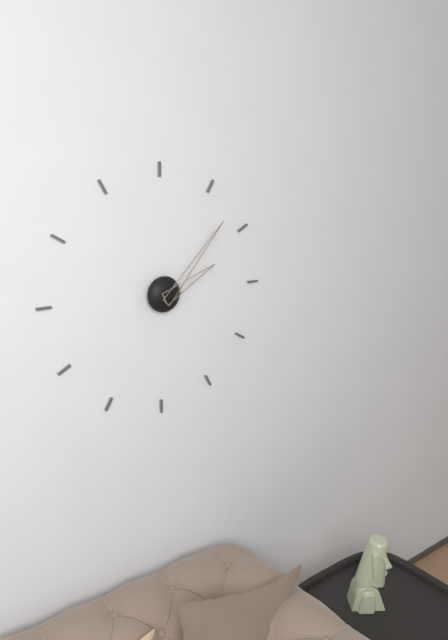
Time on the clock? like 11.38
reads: 2.07
